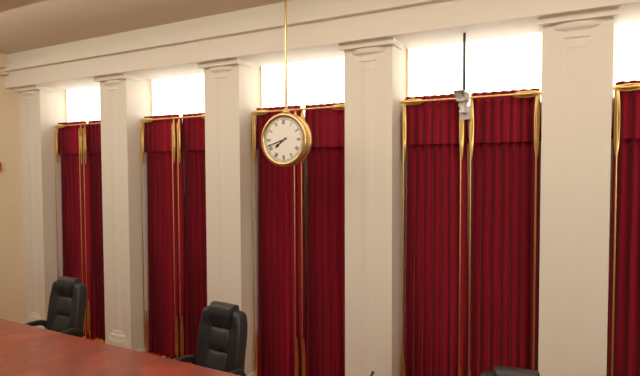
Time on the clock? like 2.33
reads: 7.42
